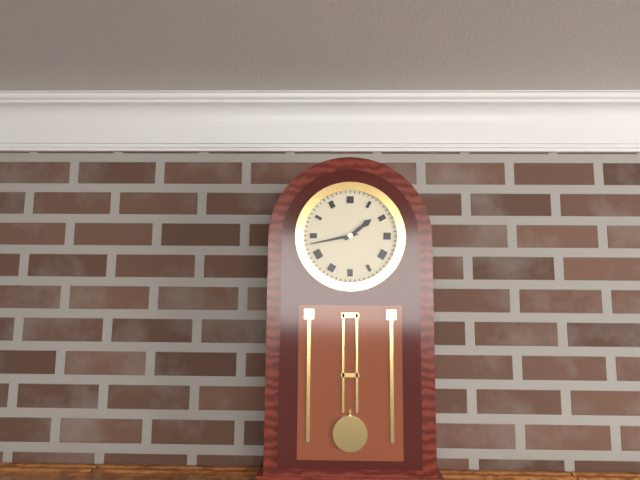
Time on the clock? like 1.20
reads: 1.43
